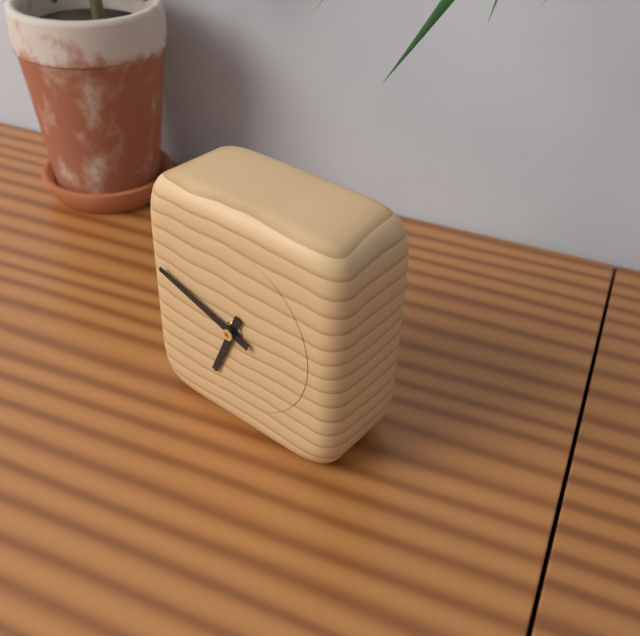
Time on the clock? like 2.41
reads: 6.48
